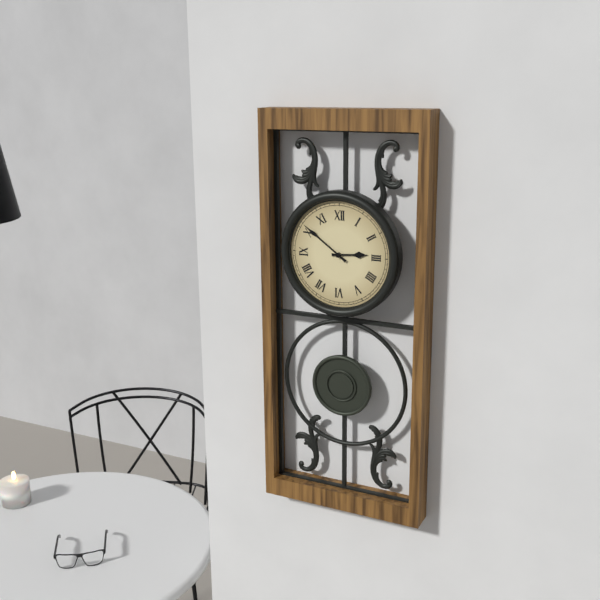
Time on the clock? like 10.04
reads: 2.51
